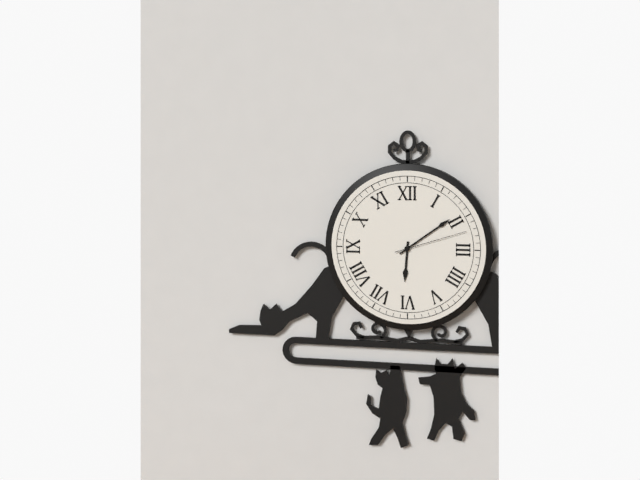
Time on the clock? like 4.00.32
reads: 6.09.12
